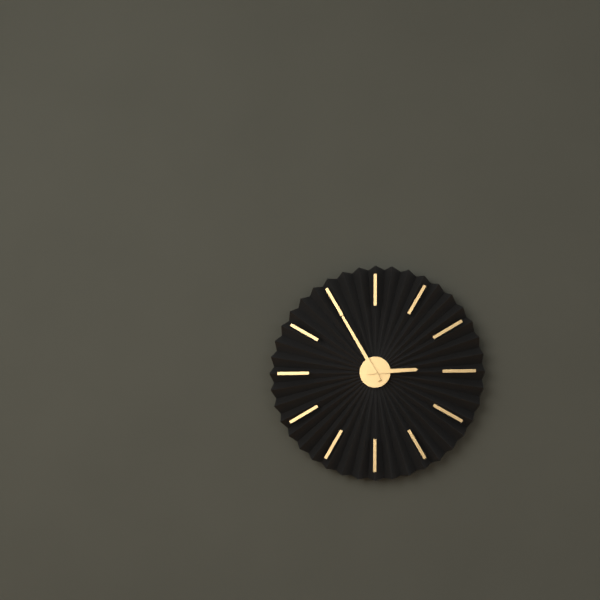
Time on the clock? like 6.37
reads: 2.55
